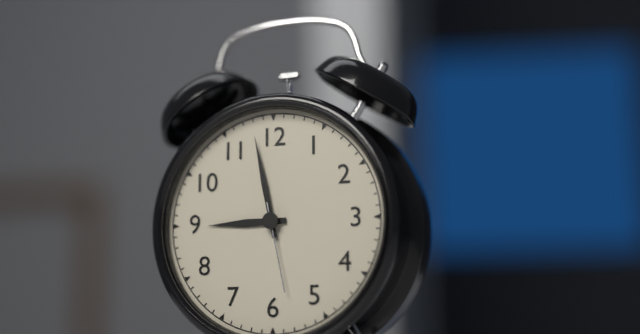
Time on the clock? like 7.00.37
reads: 8.58.28
